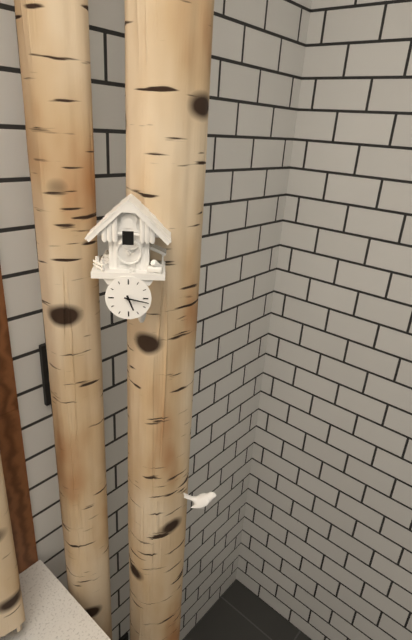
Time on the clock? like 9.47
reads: 5.17
